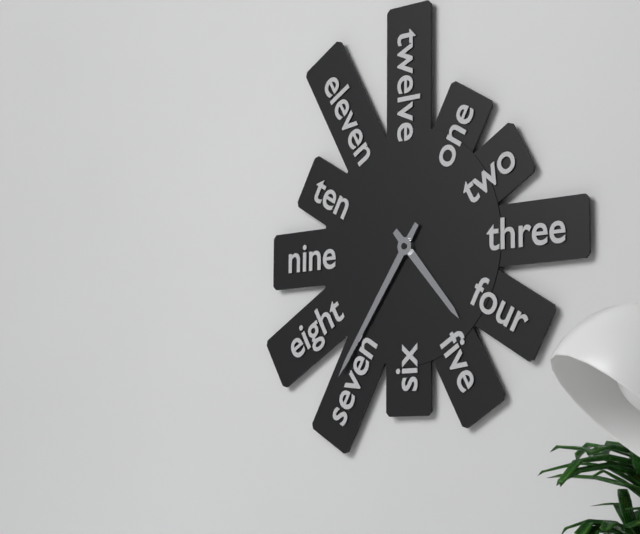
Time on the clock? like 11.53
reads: 4.36
